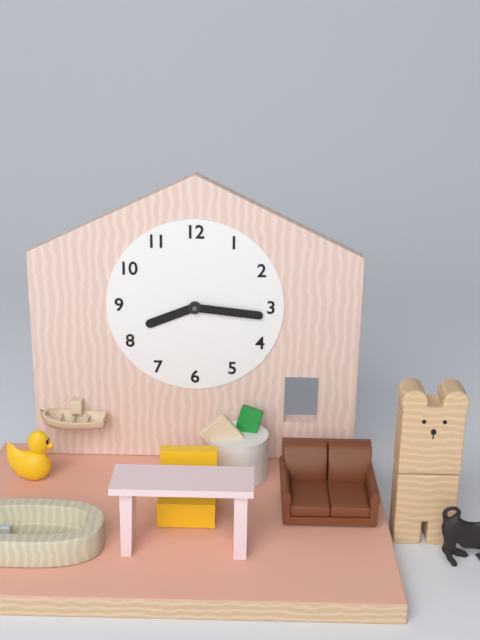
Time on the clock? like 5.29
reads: 8.16
